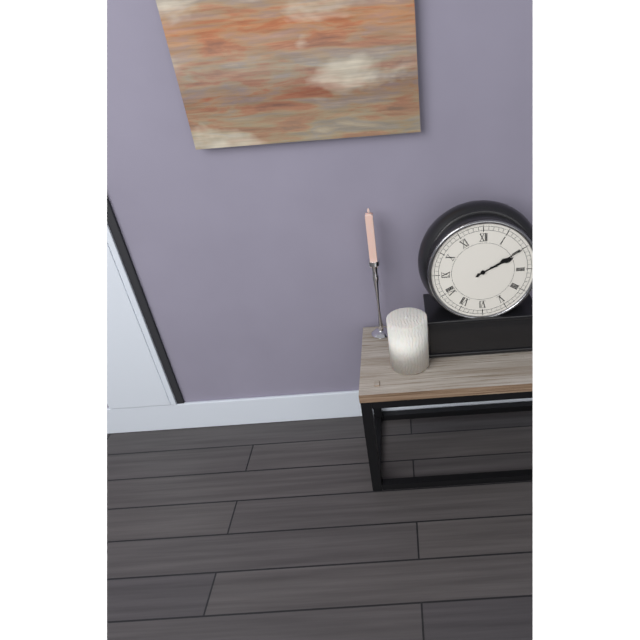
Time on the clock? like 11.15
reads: 2.10
